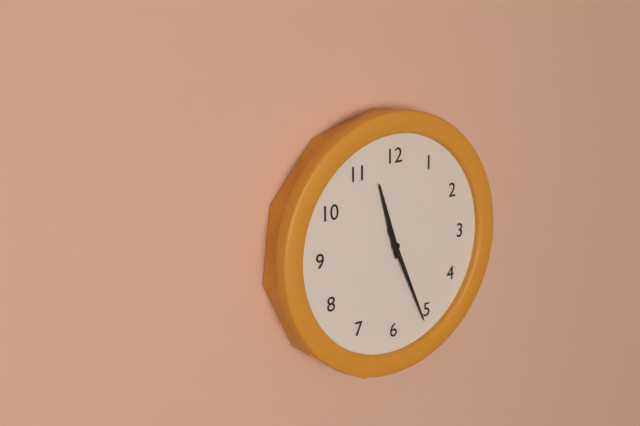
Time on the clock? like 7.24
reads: 11.26
